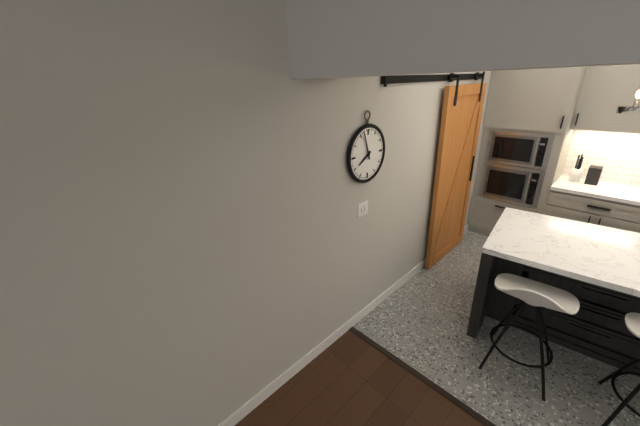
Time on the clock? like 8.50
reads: 7.57
